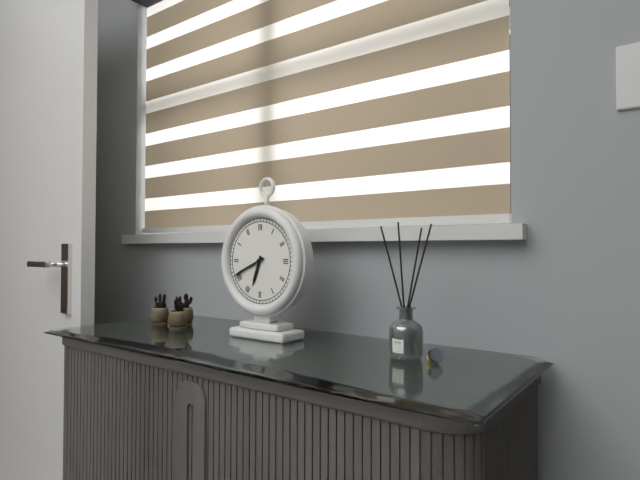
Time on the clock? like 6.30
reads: 6.41
